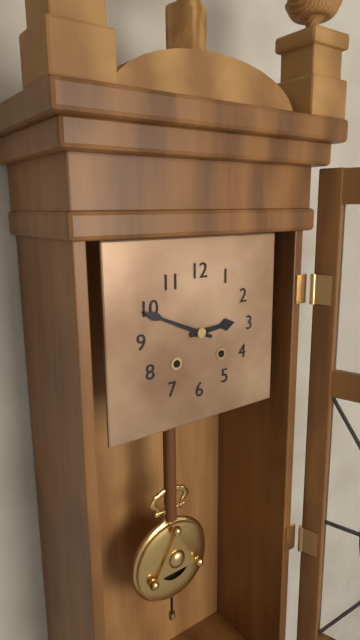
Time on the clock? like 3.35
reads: 2.49
